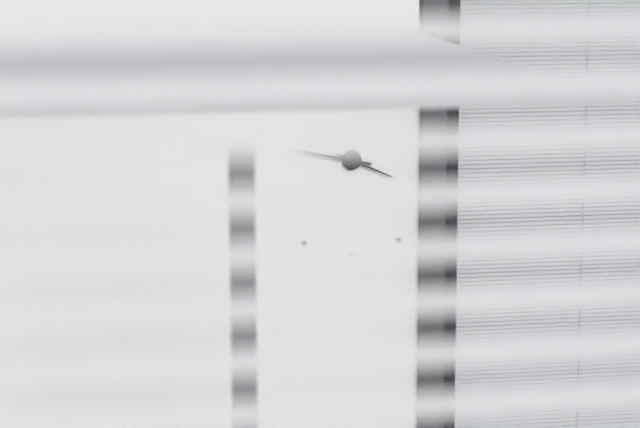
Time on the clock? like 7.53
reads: 3.47
